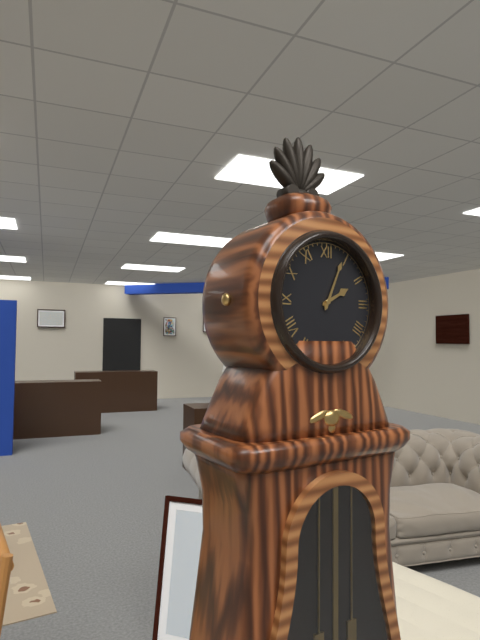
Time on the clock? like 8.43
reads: 2.04
